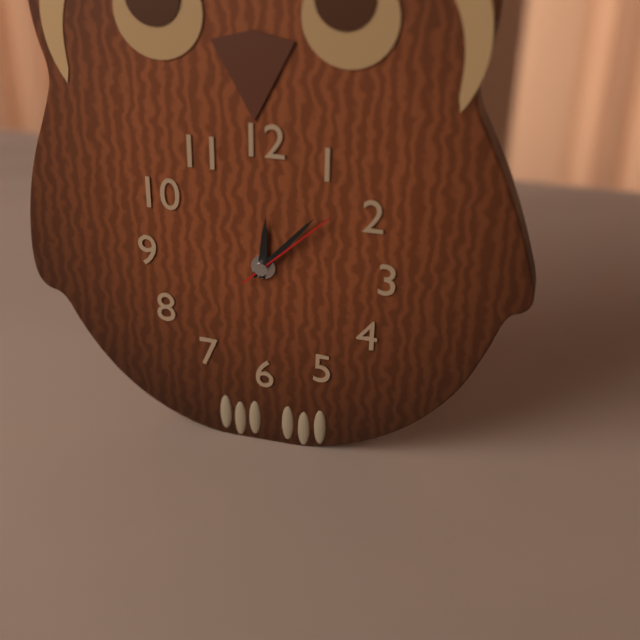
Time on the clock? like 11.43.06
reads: 12.07.08
